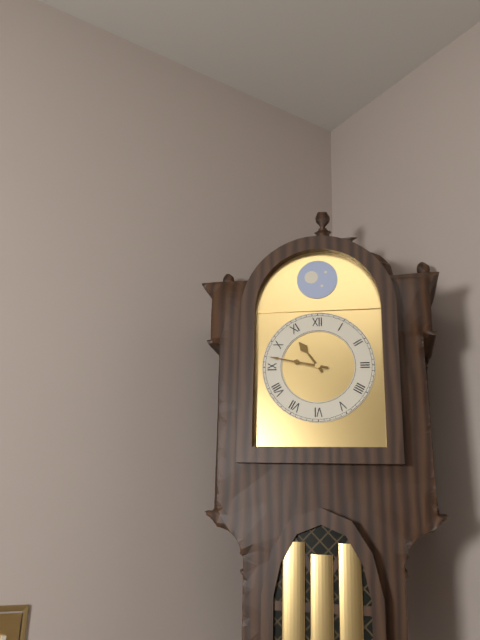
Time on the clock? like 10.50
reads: 10.47
